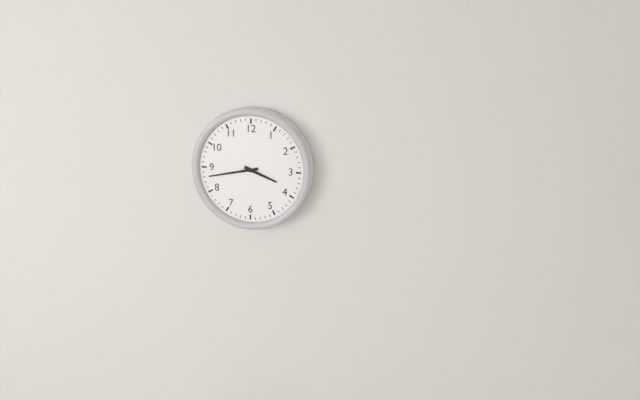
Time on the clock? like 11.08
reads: 3.43
